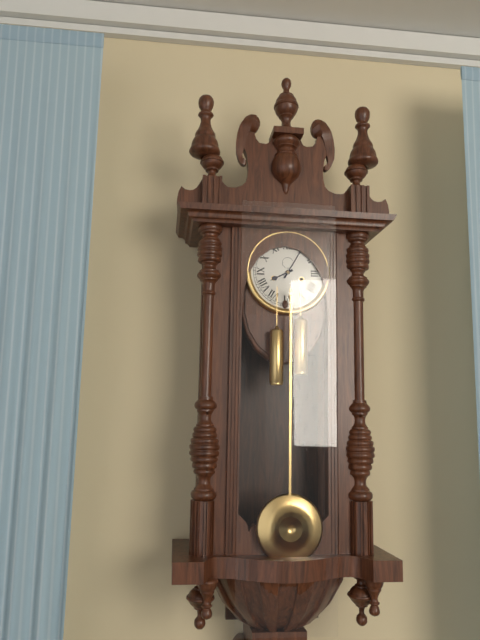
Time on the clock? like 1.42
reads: 8.05
